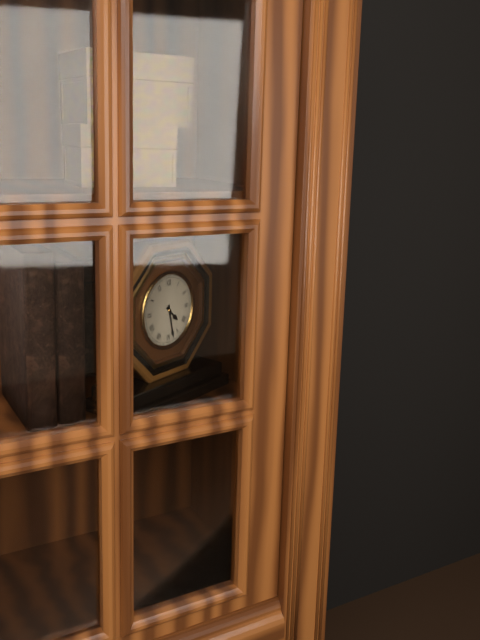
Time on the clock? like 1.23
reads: 4.28
